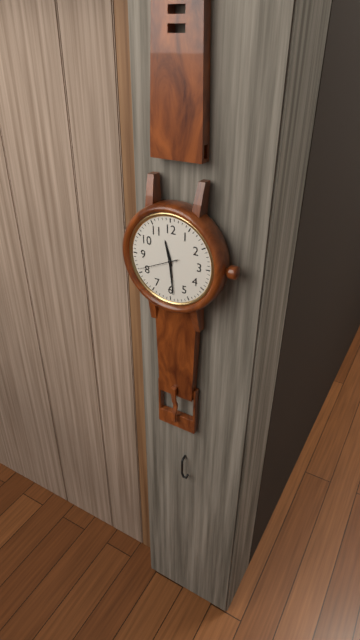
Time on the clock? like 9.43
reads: 11.29
